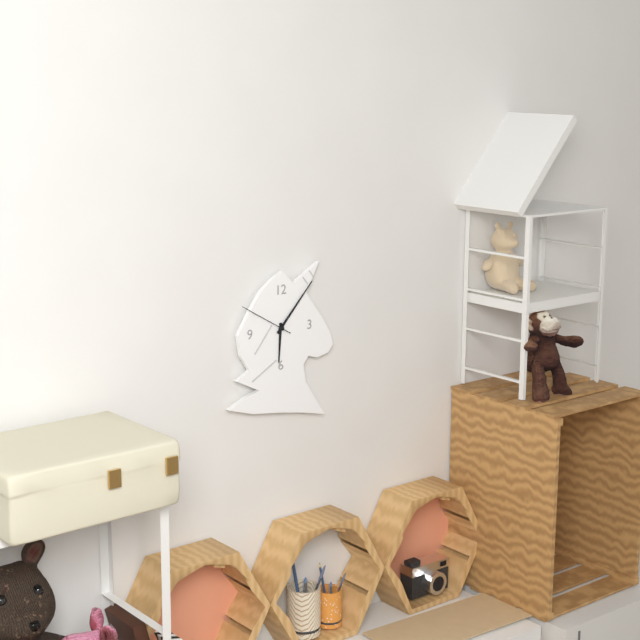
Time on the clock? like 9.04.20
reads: 6.07.50
